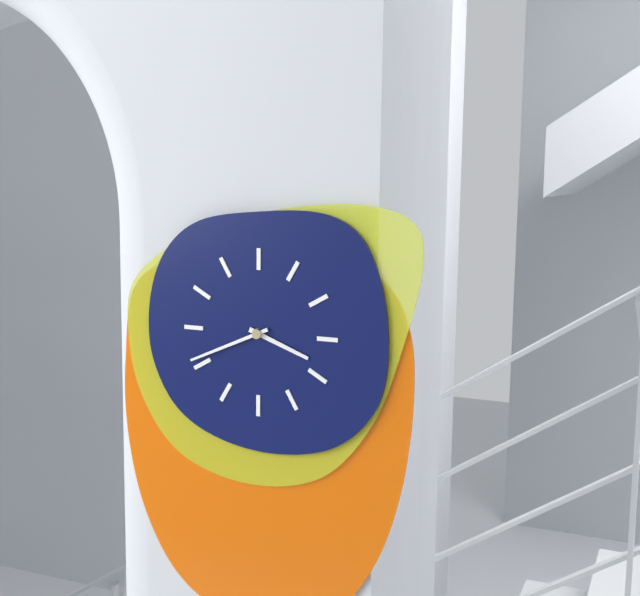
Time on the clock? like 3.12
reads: 3.41
